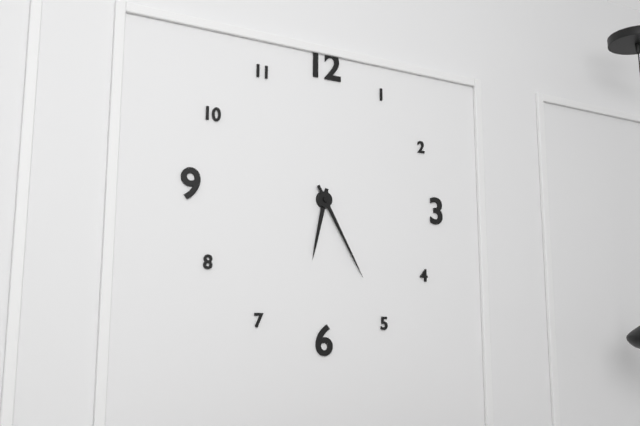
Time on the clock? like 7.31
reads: 6.25
